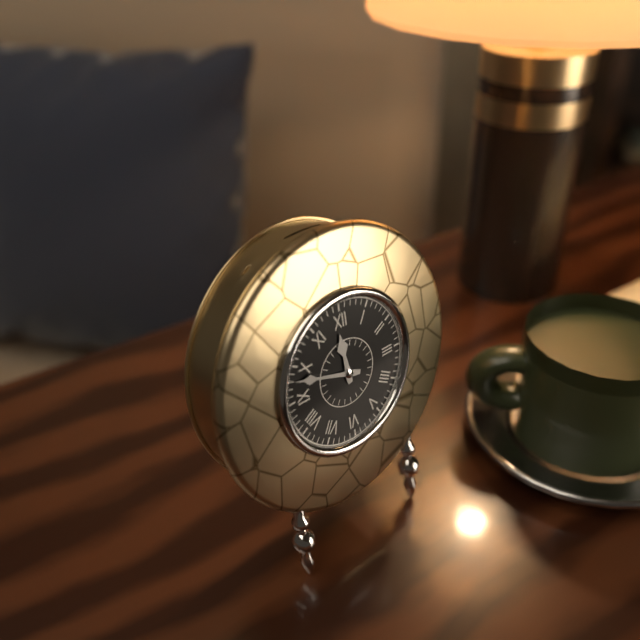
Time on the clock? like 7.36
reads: 11.48
